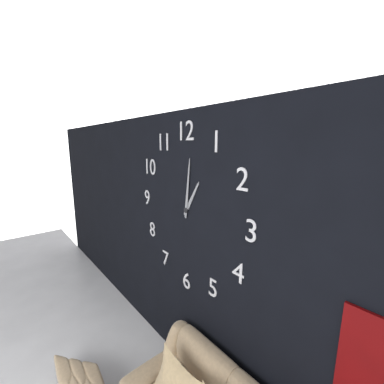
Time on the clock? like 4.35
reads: 1.01
